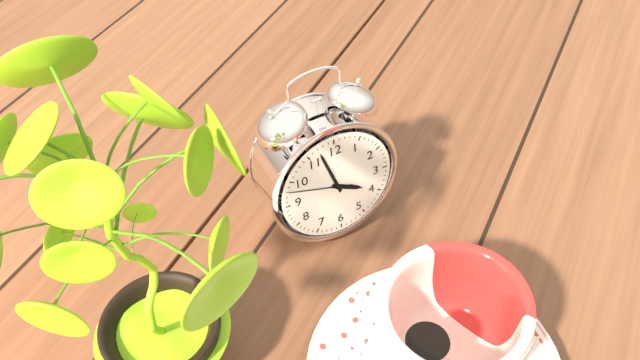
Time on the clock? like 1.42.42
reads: 3.57.48
